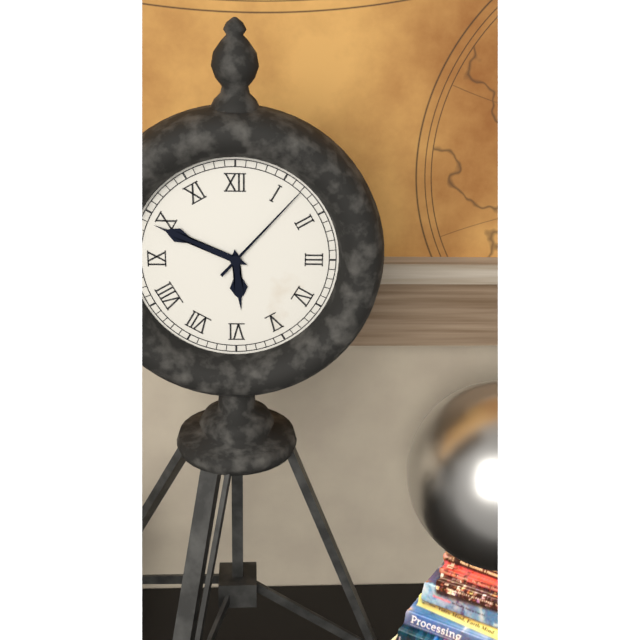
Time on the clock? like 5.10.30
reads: 5.49.07
